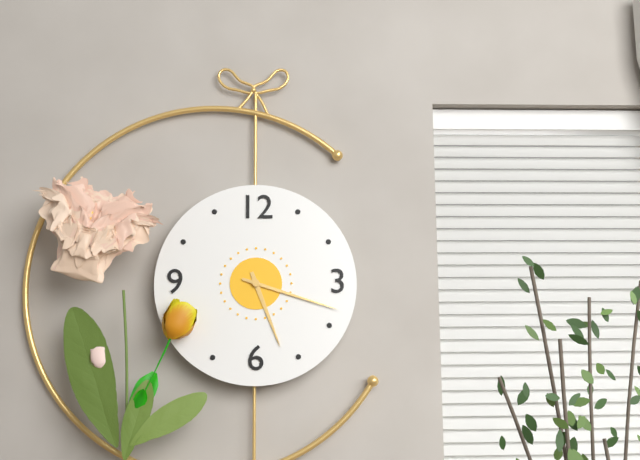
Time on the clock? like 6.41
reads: 5.18
